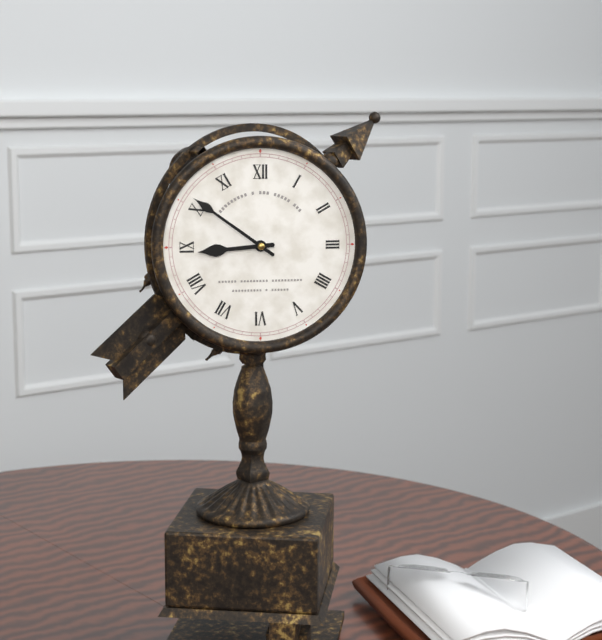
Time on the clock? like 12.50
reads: 8.51
